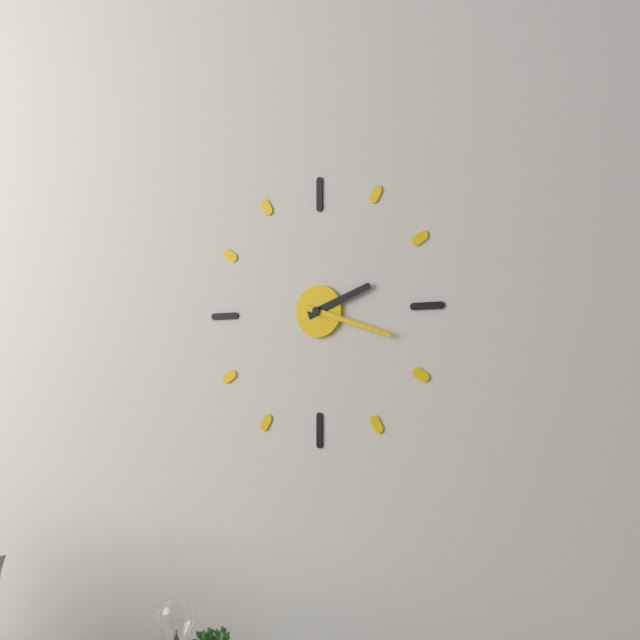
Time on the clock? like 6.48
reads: 2.18
